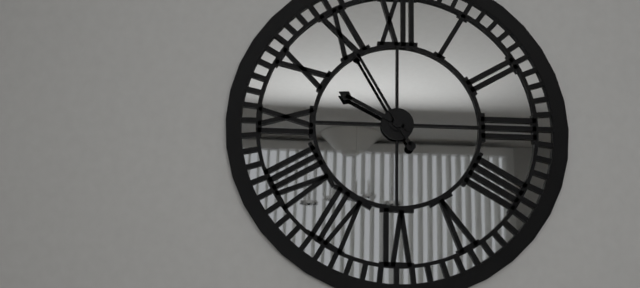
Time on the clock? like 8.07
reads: 9.55
